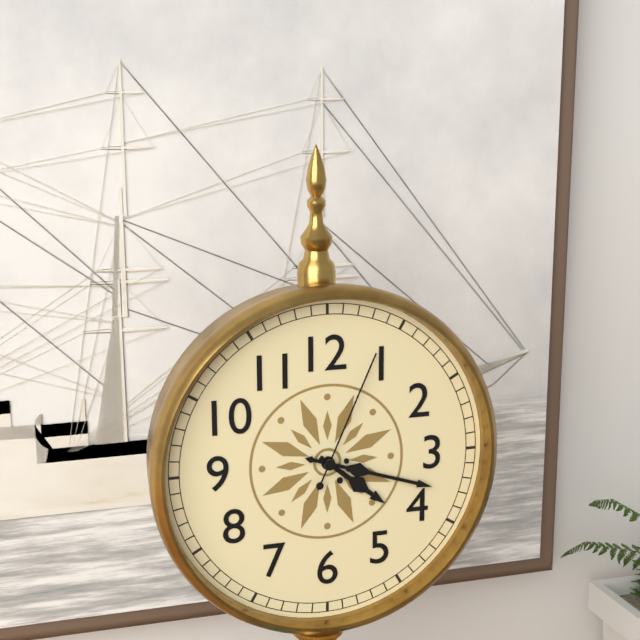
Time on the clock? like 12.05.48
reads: 4.18.04
